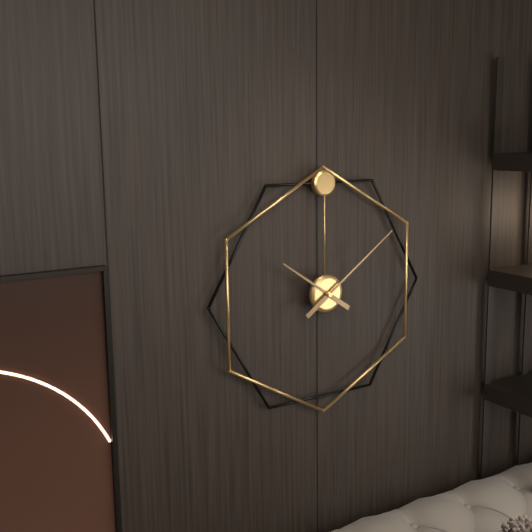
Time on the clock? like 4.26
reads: 10.09
